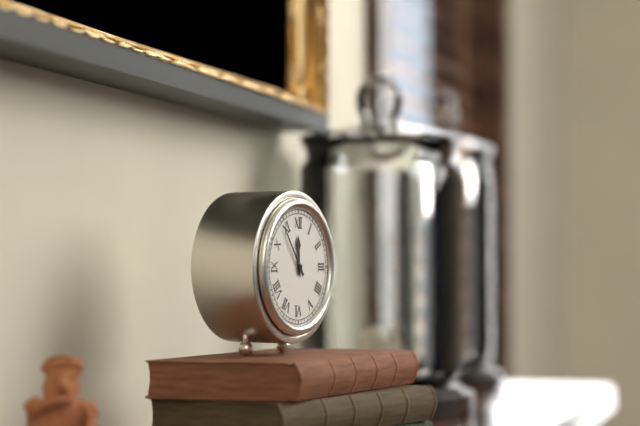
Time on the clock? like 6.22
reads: 11.54
